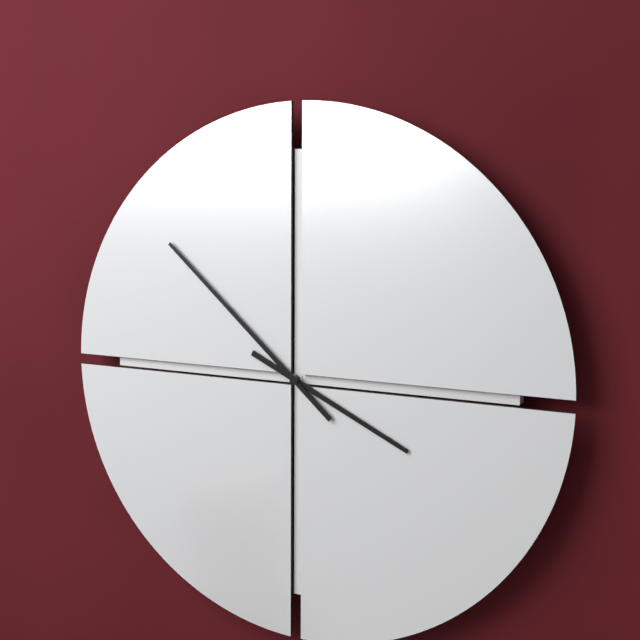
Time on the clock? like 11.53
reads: 3.52
